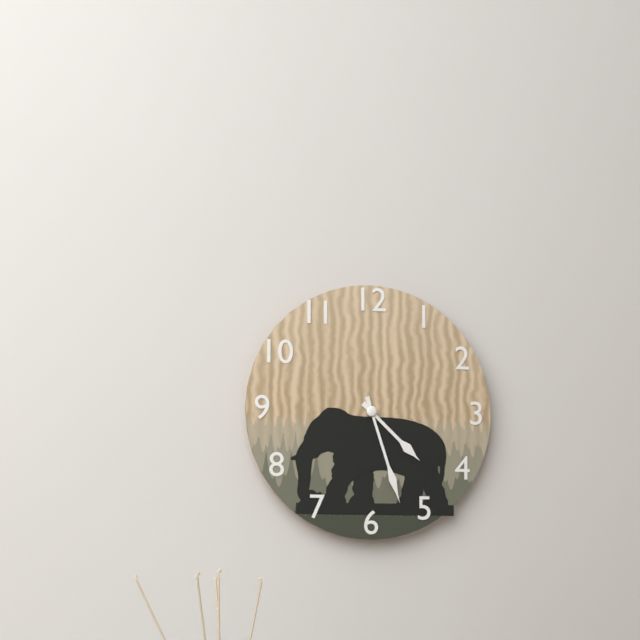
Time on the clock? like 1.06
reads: 4.27
